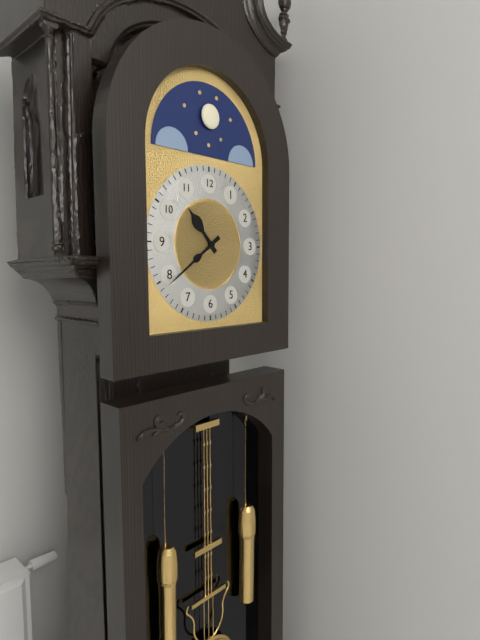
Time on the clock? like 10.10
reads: 10.39
